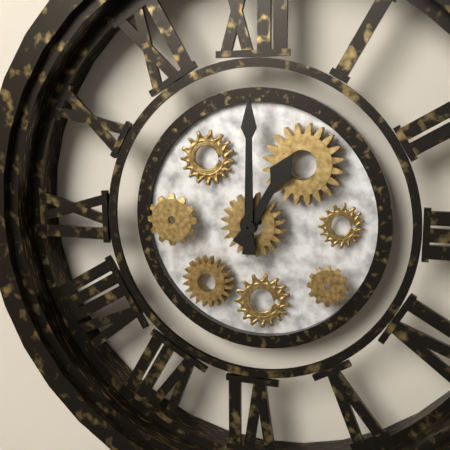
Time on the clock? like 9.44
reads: 1.00
